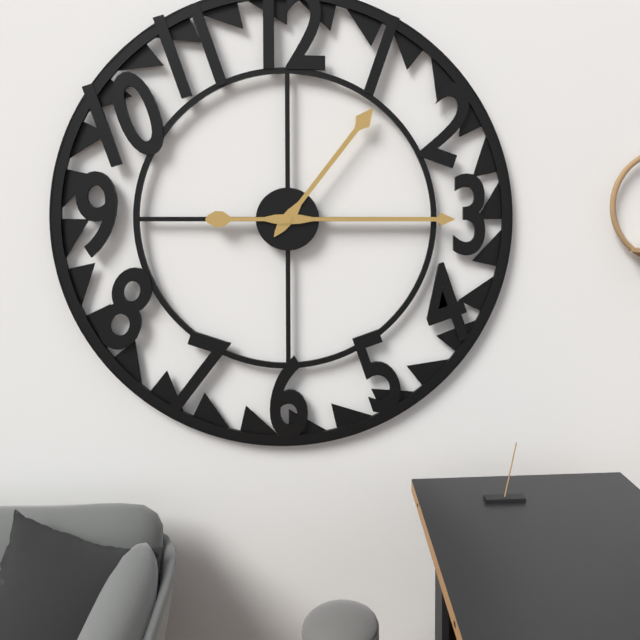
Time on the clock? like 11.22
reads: 1.15
